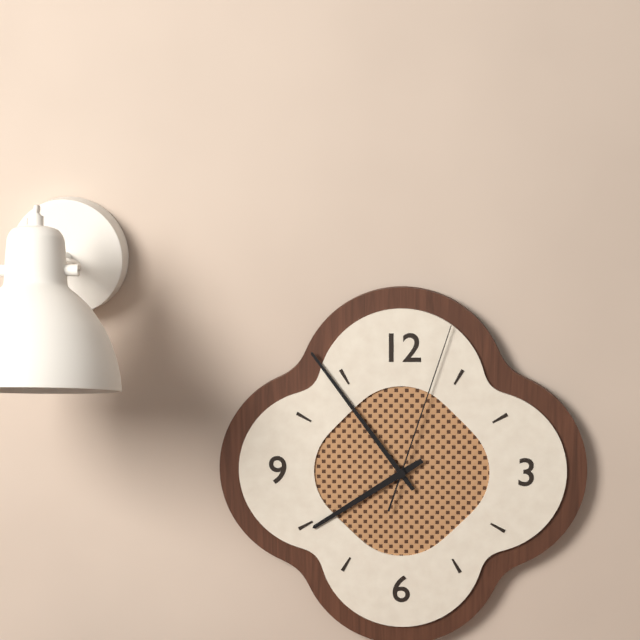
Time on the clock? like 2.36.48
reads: 7.54.03
